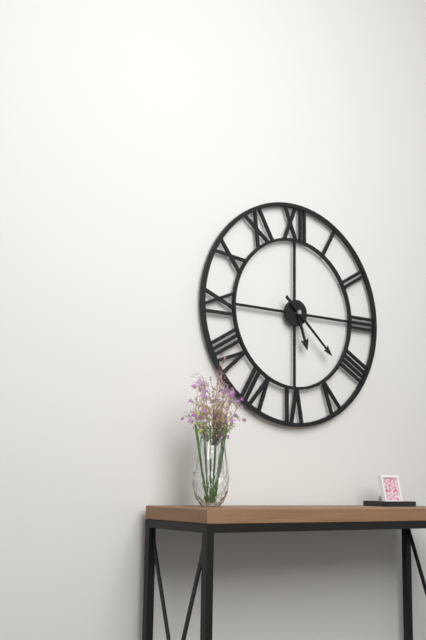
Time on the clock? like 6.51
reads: 5.22
